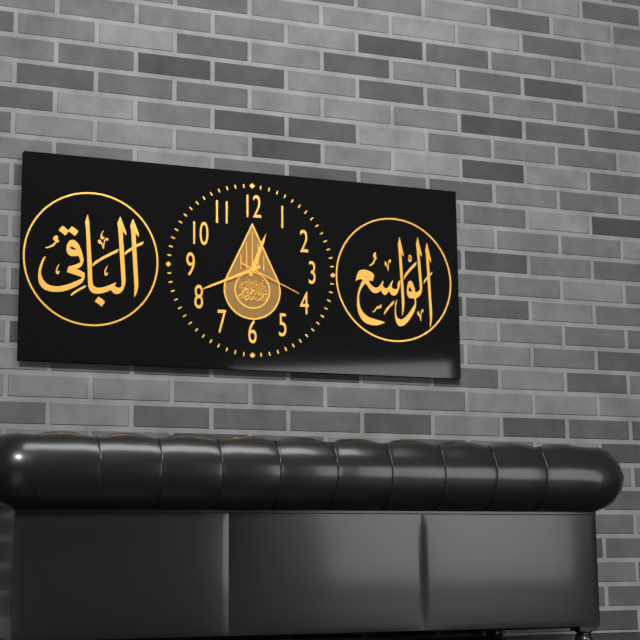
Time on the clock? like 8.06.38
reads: 12.41.19
